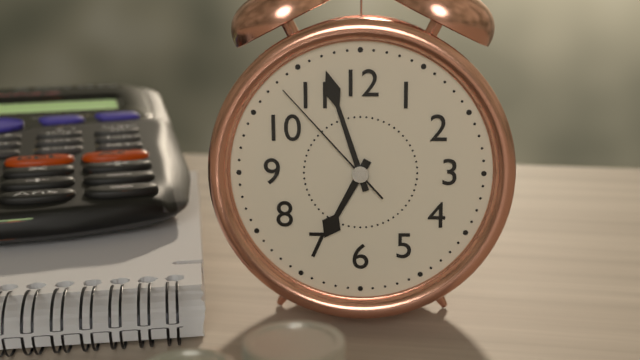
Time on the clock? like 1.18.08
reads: 6.57.53
